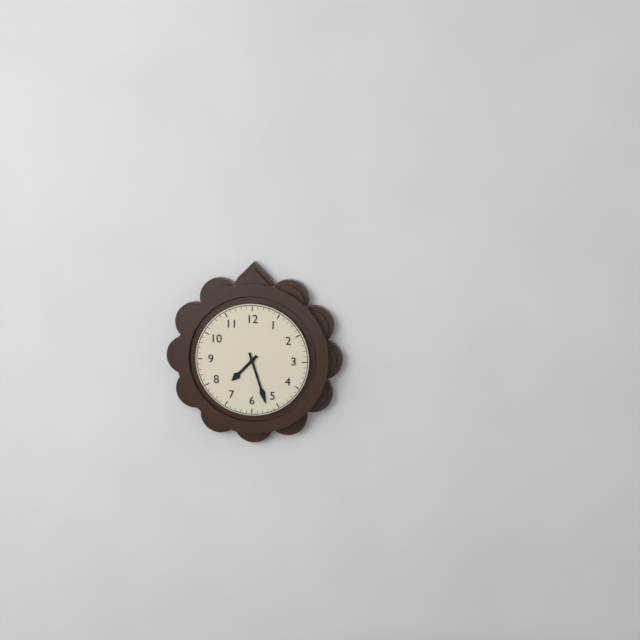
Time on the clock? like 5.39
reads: 7.27
